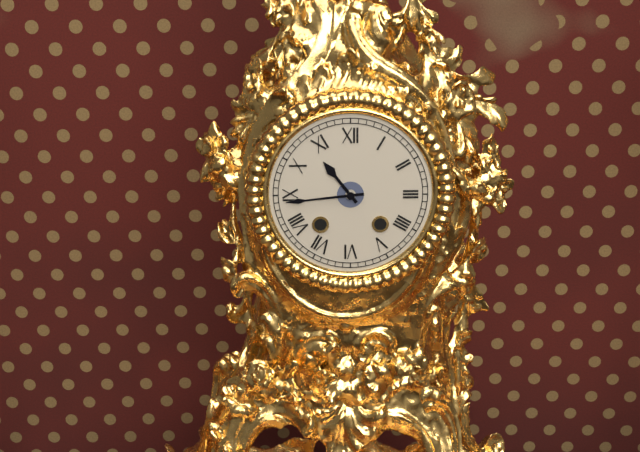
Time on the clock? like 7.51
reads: 10.44
